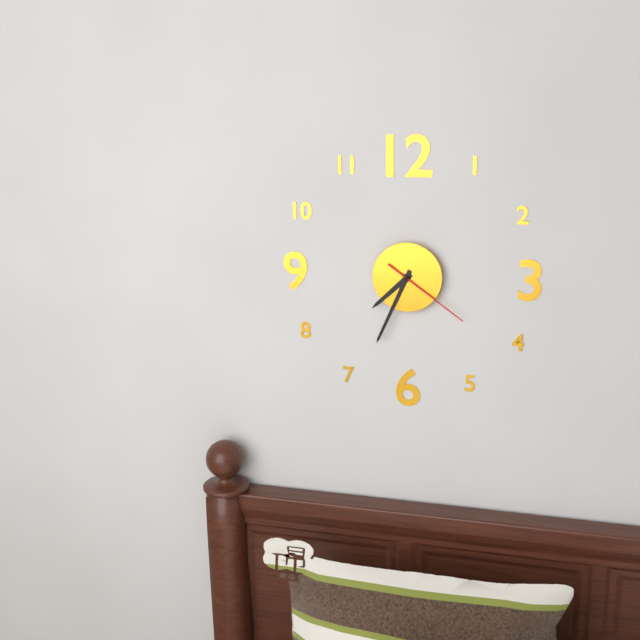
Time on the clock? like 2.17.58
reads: 7.34.21
